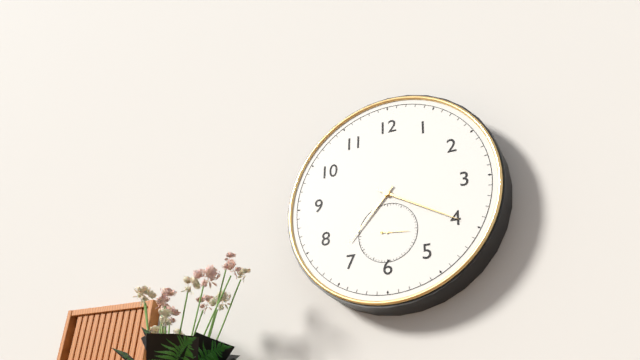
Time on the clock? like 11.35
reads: 7.20
